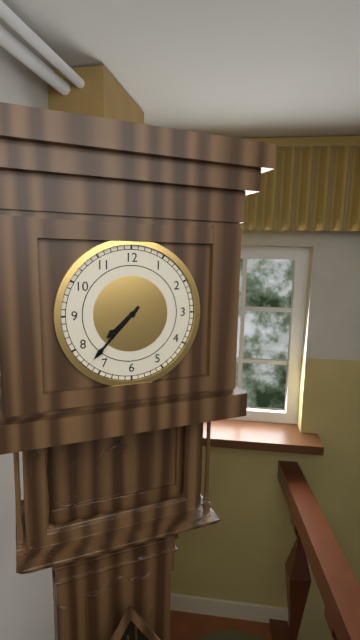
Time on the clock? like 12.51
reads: 7.37
